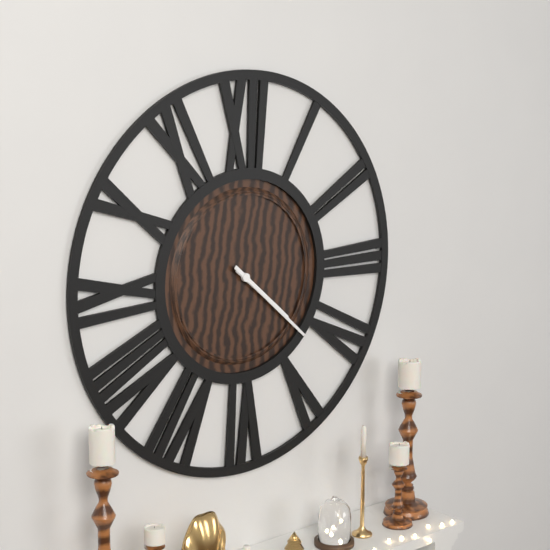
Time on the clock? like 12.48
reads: 4.22
